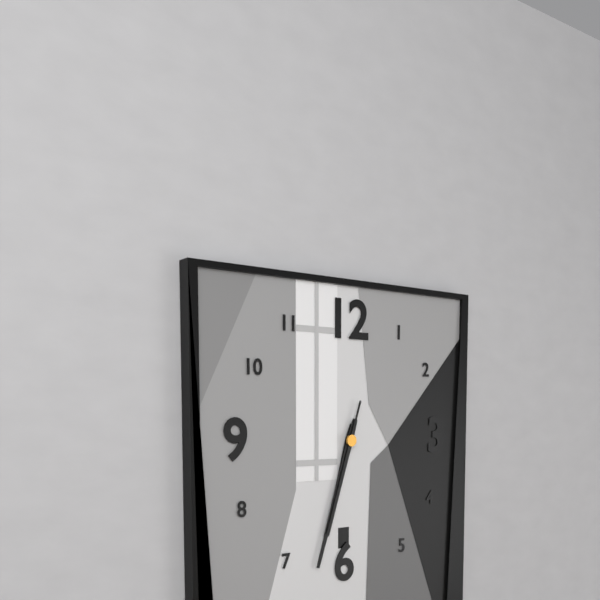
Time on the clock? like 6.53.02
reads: 6.33.33
